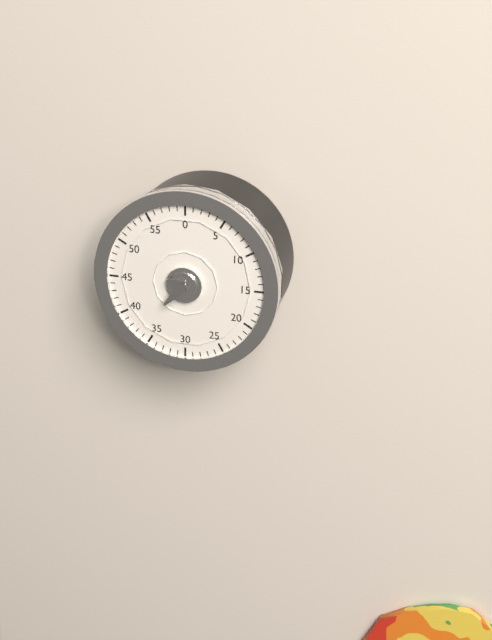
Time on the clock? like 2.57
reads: 9.37
